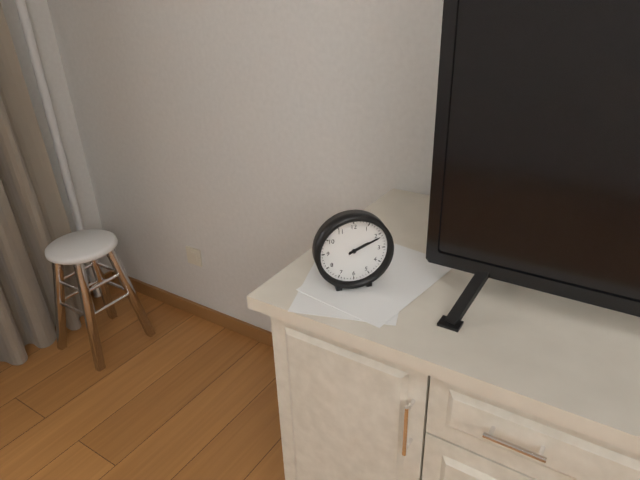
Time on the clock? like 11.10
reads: 2.11
